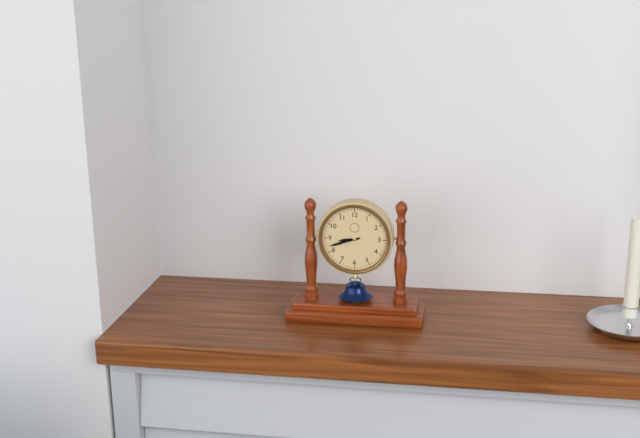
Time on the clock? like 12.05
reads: 8.42
